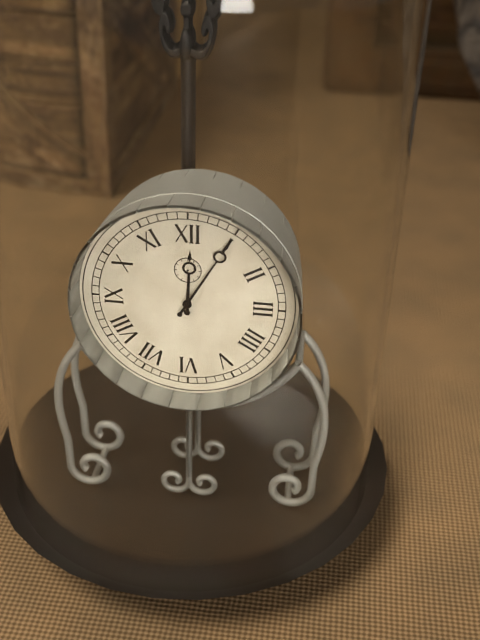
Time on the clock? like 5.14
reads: 12.05
